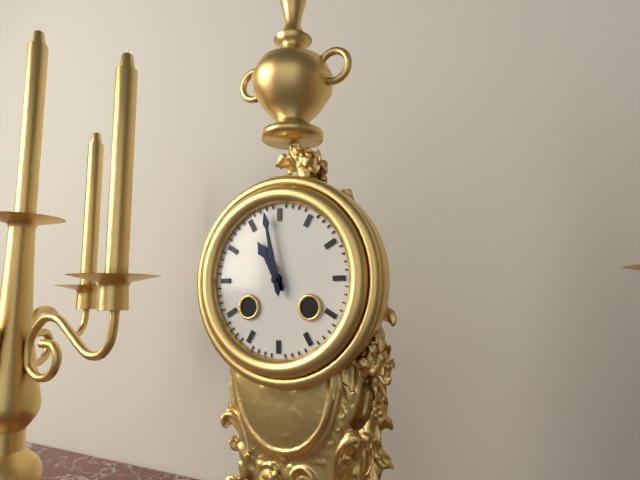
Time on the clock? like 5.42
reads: 10.58
